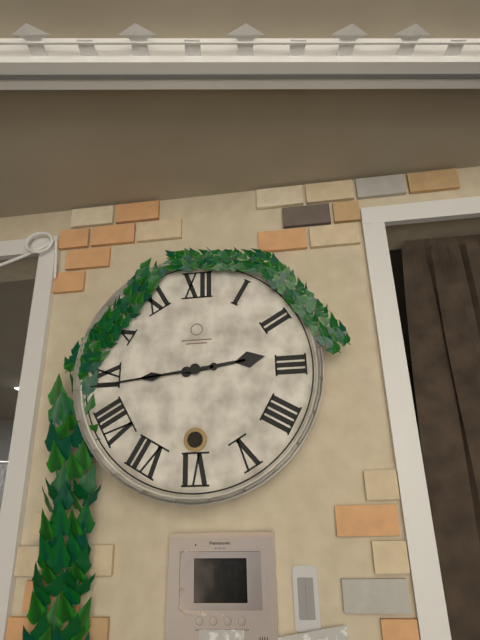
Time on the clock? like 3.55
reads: 2.44
